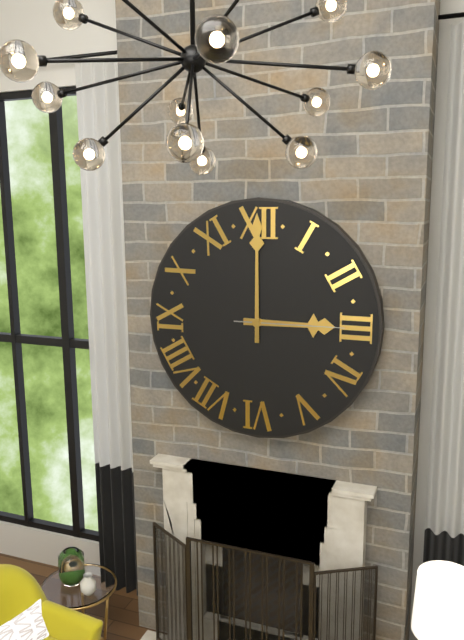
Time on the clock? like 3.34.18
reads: 3.00.15
